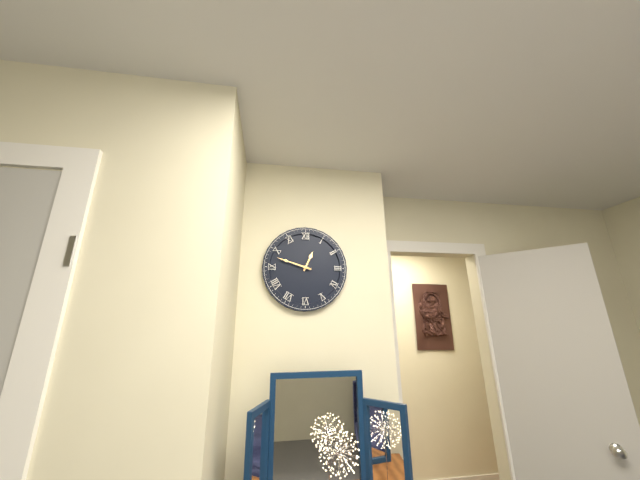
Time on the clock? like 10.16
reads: 12.48
